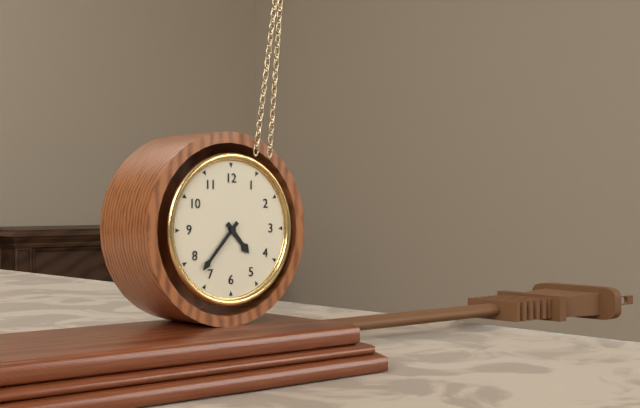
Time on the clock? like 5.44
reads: 4.37
